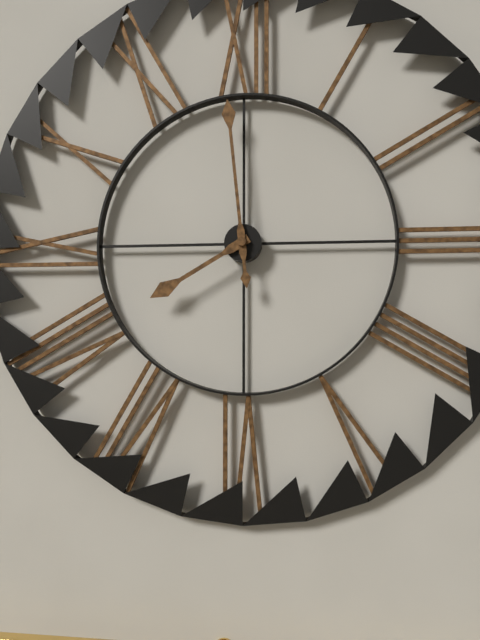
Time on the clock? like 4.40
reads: 7.59
